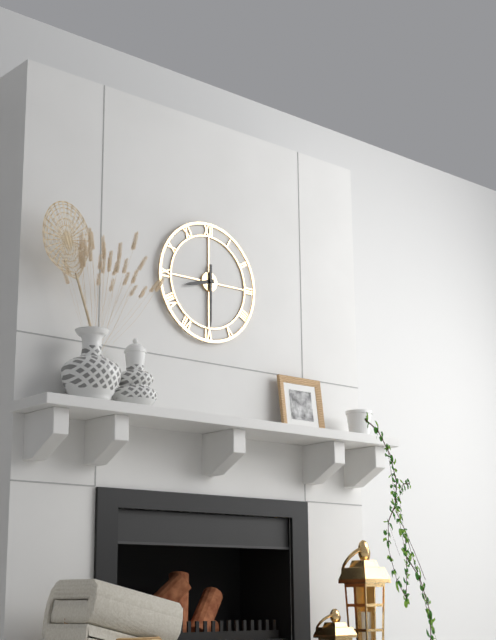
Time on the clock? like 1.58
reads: 8.30
